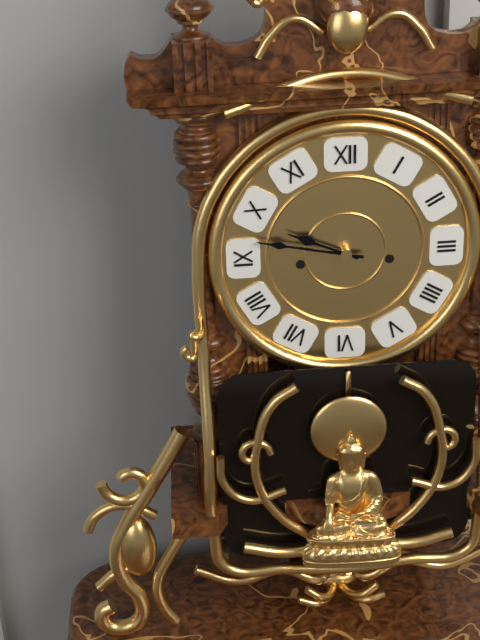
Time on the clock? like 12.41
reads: 9.47
